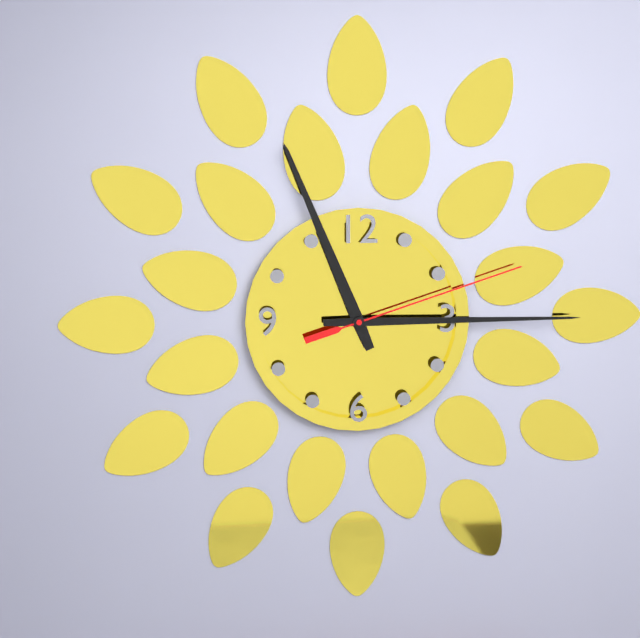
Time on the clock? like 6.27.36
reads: 11.15.12
